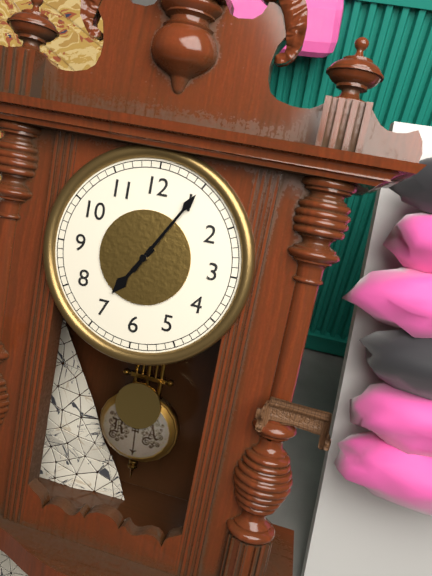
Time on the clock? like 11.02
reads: 7.05
